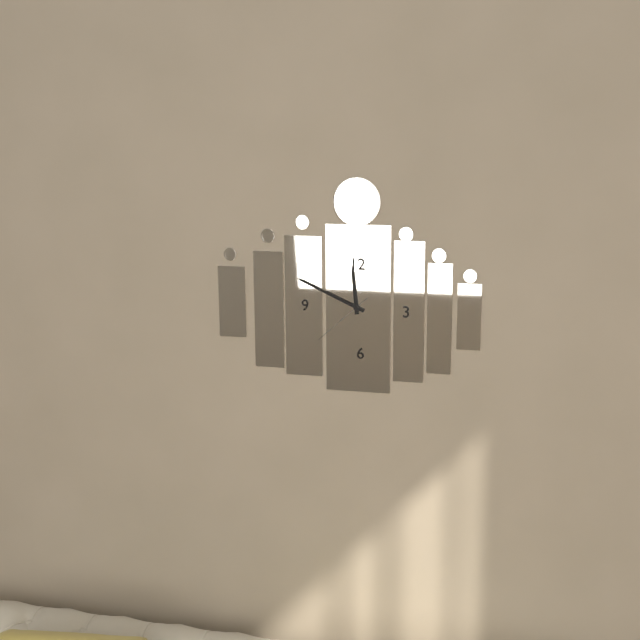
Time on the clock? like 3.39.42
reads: 11.49.38
